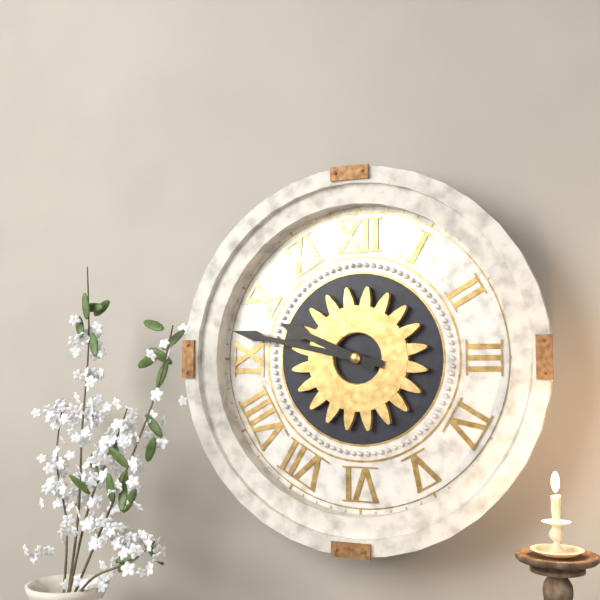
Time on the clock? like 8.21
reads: 9.47
